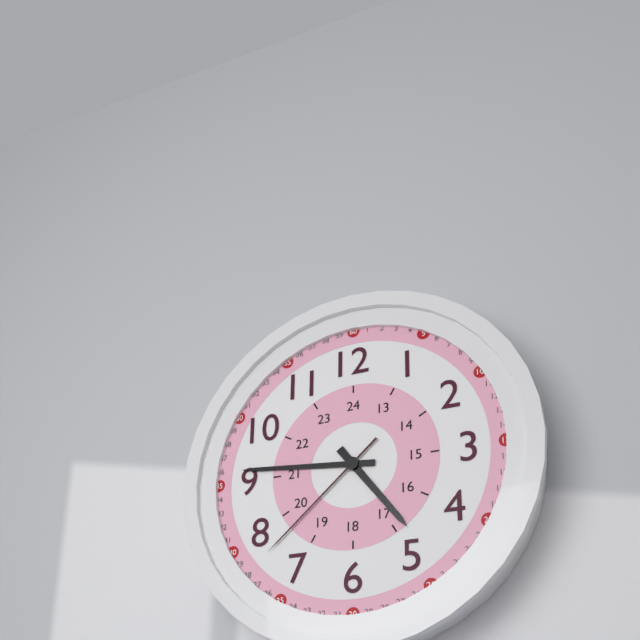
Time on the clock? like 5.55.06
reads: 4.46.38
